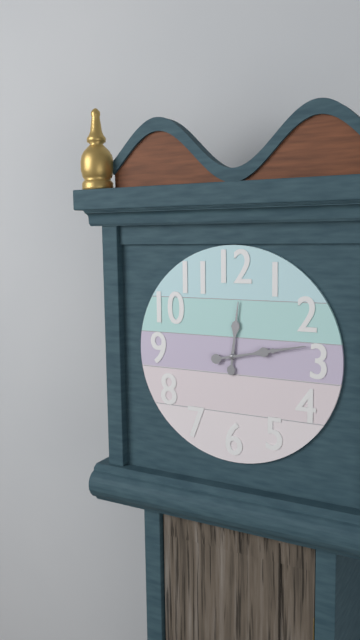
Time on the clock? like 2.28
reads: 12.13
